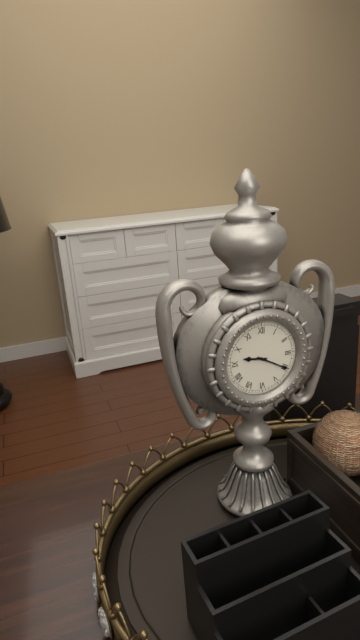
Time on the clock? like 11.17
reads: 9.20
